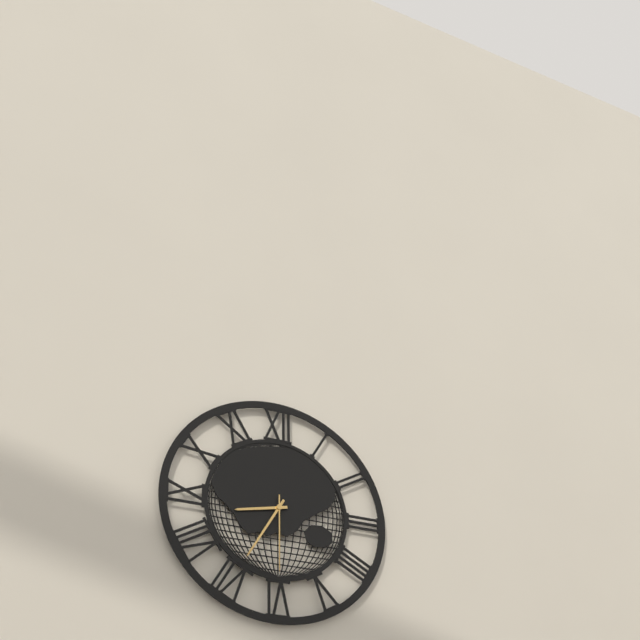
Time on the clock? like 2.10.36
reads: 8.35.30
